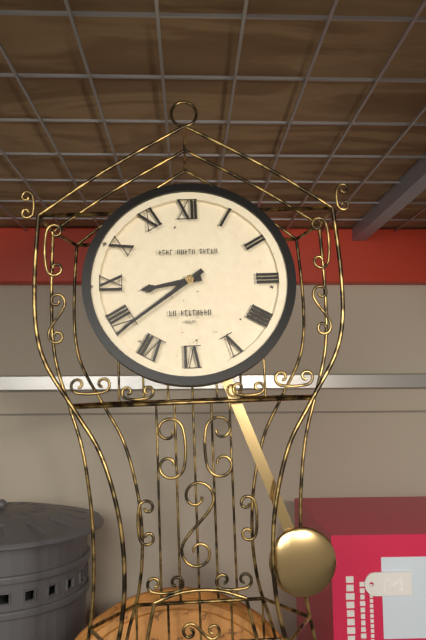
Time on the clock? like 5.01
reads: 8.39
